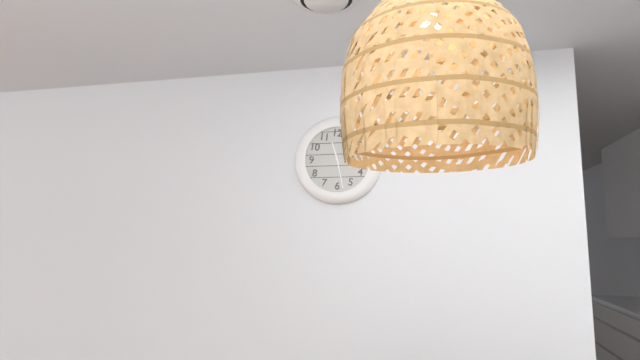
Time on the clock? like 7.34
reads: 11.28
